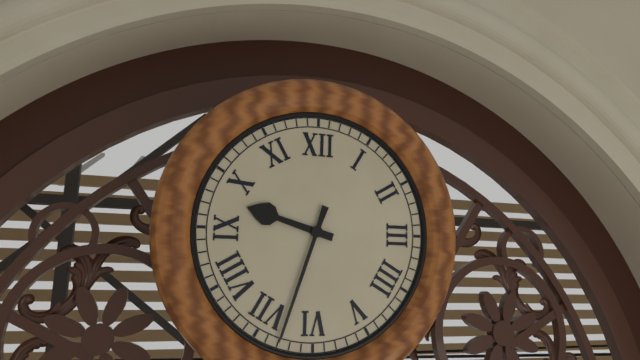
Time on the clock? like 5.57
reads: 9.33
